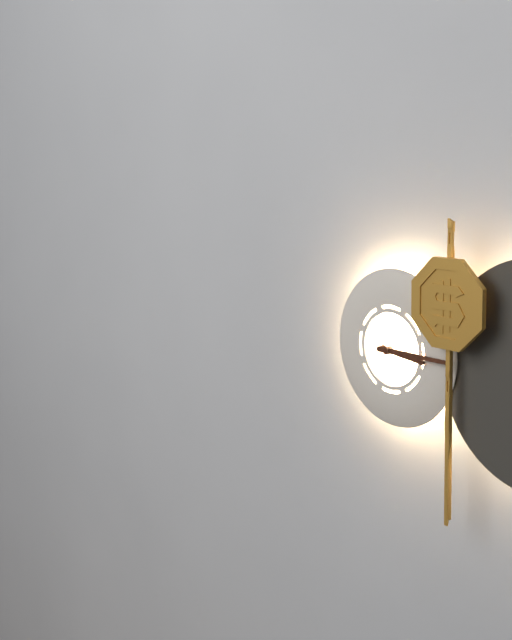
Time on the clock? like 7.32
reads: 3.15
